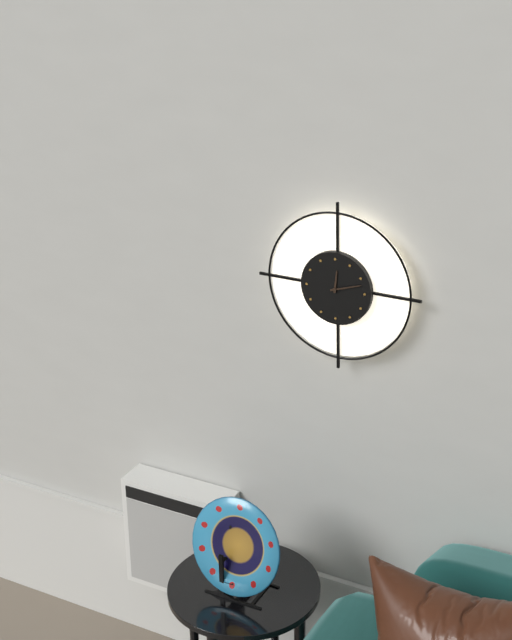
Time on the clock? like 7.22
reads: 12.12
